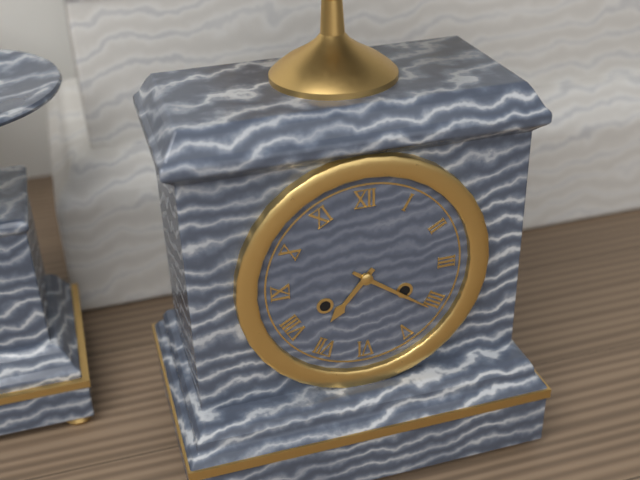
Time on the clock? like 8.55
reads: 7.21
